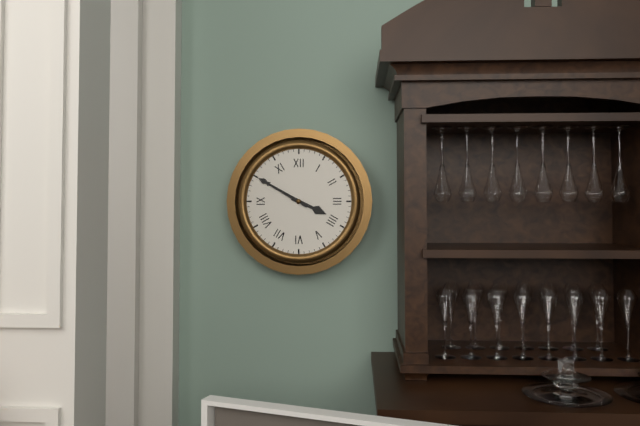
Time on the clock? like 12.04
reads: 3.50
